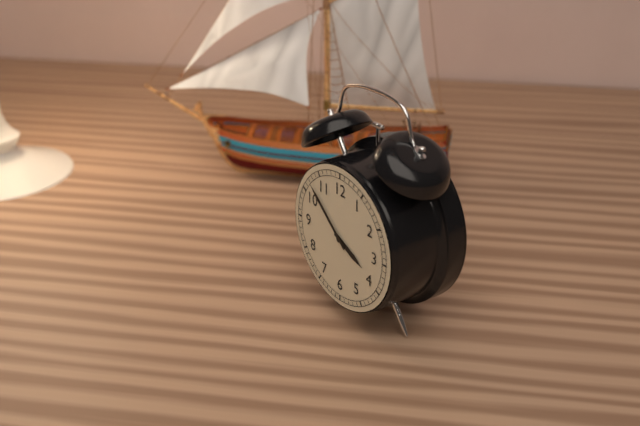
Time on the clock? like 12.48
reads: 3.52
